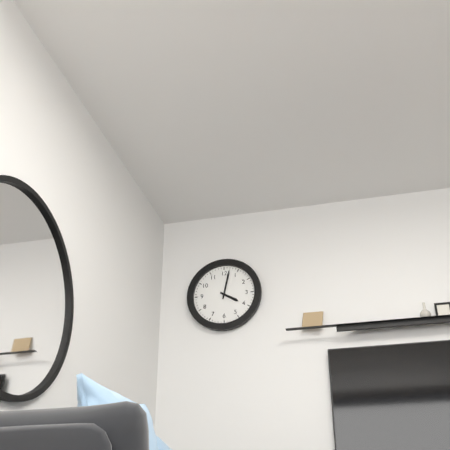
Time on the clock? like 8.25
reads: 4.02
